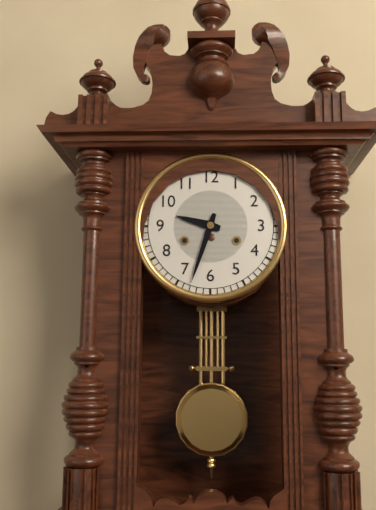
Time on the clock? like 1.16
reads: 9.33
